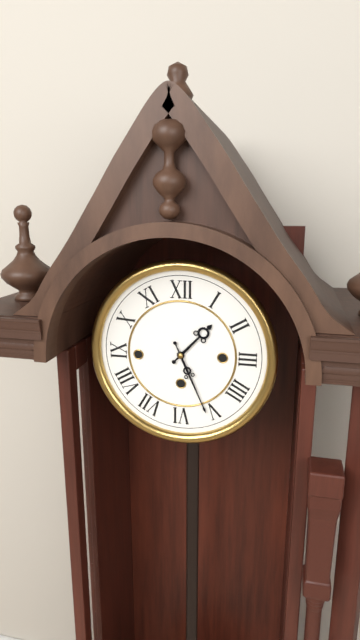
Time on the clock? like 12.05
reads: 1.26
